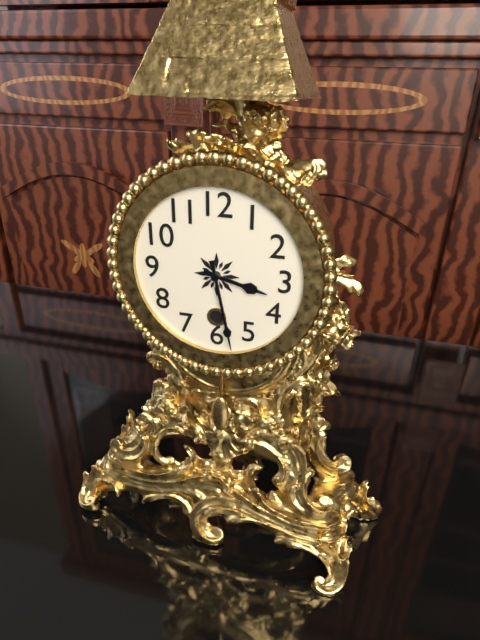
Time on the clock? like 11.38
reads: 3.28
